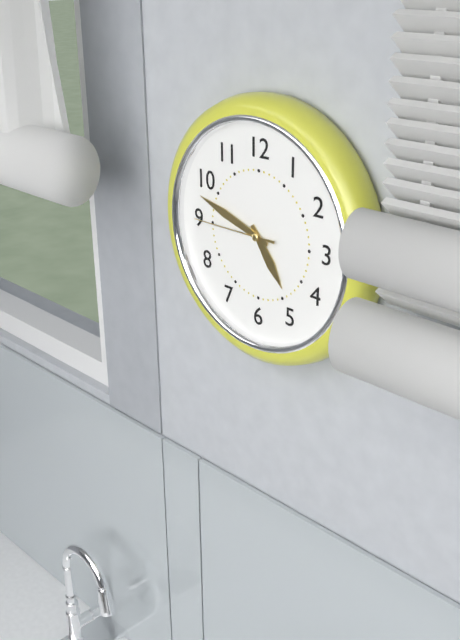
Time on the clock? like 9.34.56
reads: 4.48.45
